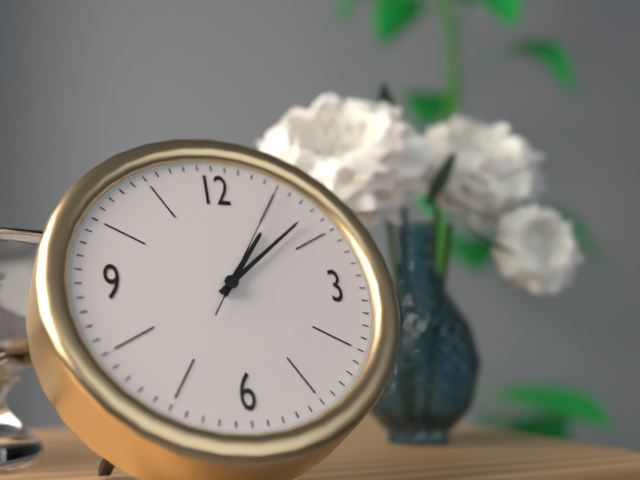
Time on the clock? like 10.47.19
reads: 1.08.05
